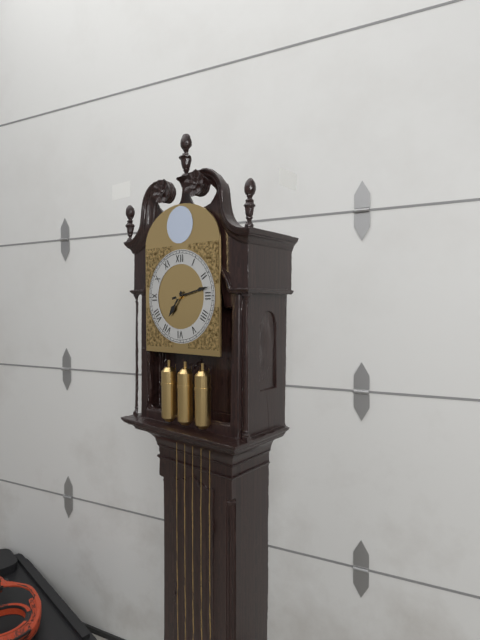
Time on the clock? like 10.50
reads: 7.13
